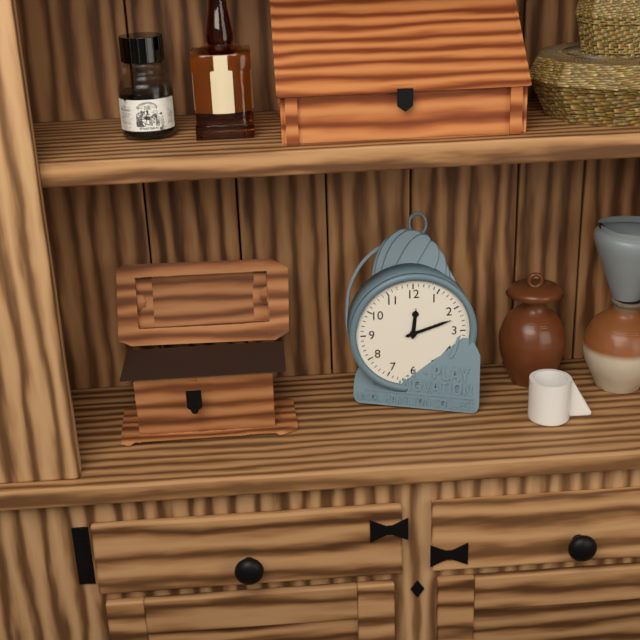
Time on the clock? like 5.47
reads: 12.12
